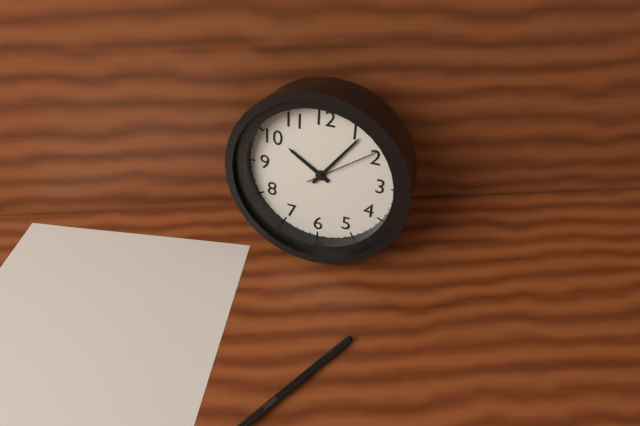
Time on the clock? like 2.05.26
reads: 10.06.09
